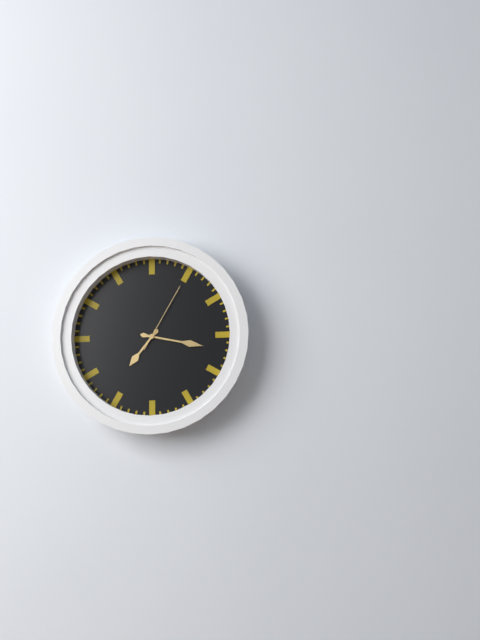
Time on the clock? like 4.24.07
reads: 7.17.05
